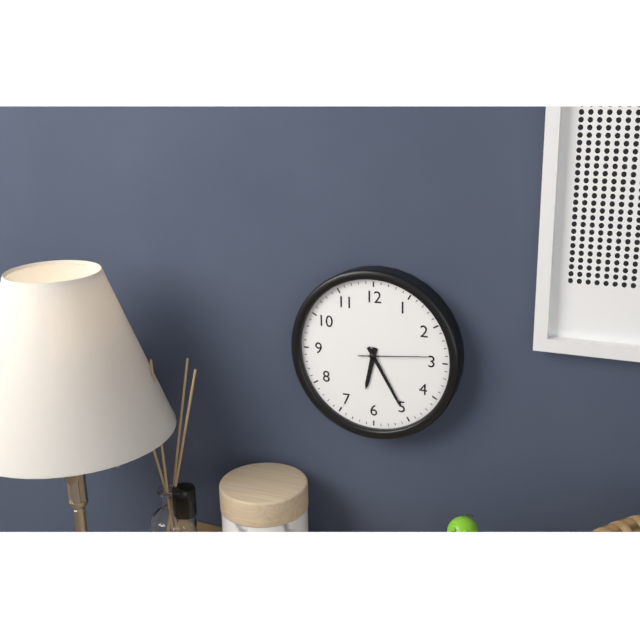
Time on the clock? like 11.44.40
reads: 6.25.14
